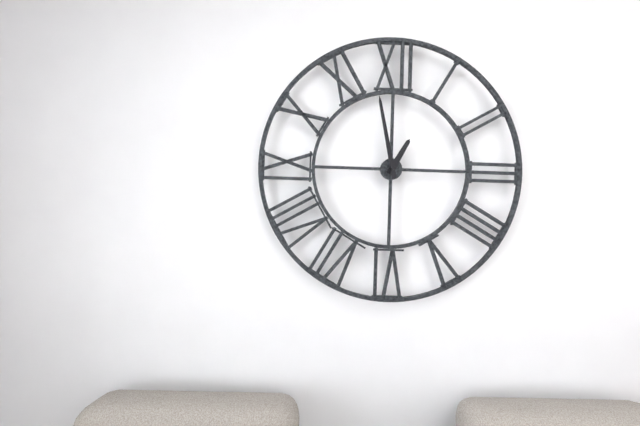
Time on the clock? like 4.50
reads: 12.58
